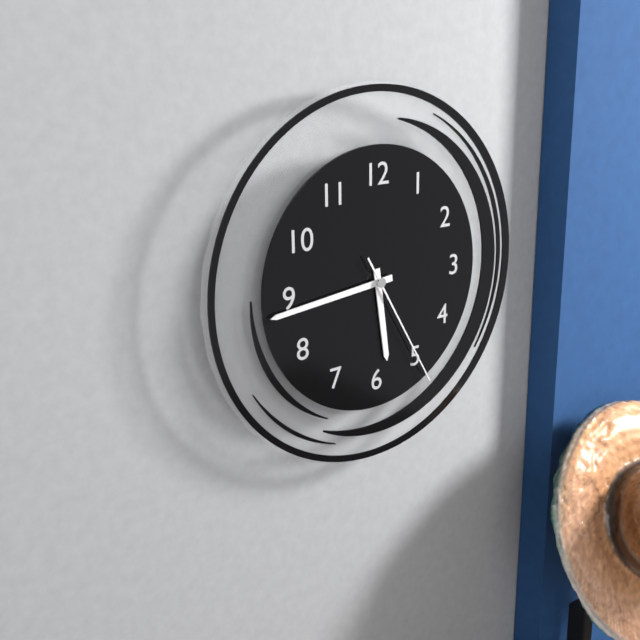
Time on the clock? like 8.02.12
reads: 5.44.25
